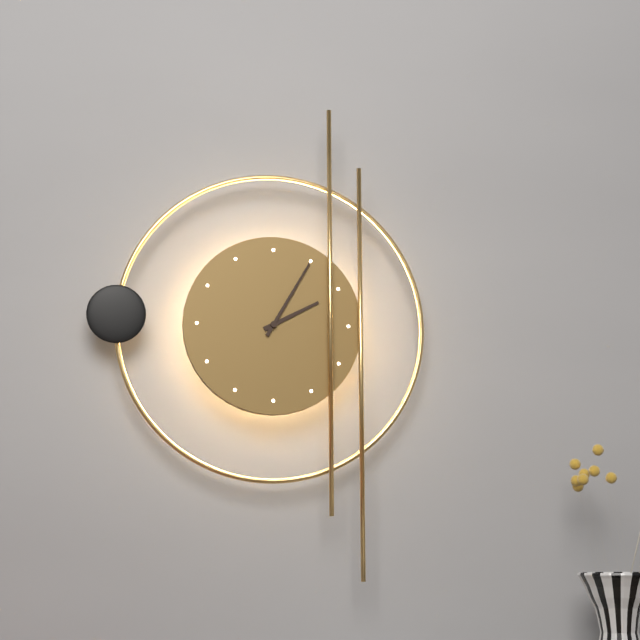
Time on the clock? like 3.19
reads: 2.05
